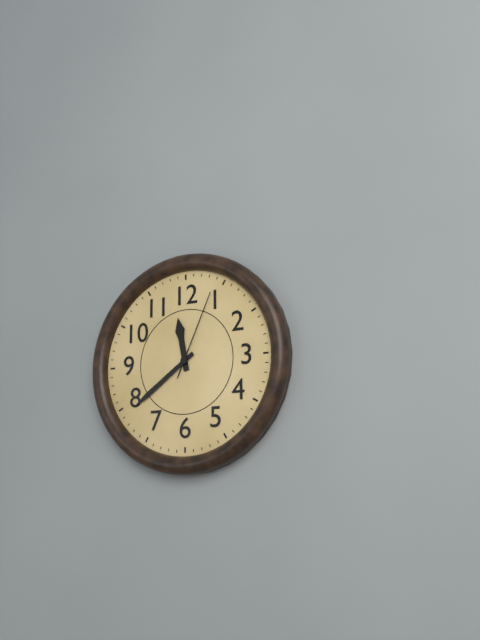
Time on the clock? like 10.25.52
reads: 11.39.04
